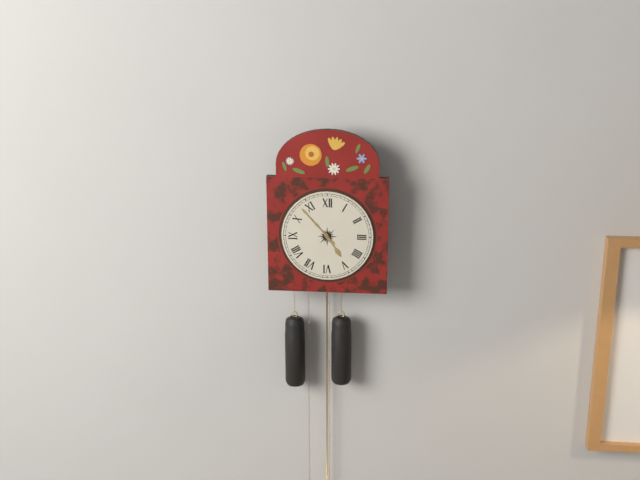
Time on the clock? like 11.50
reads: 4.53
